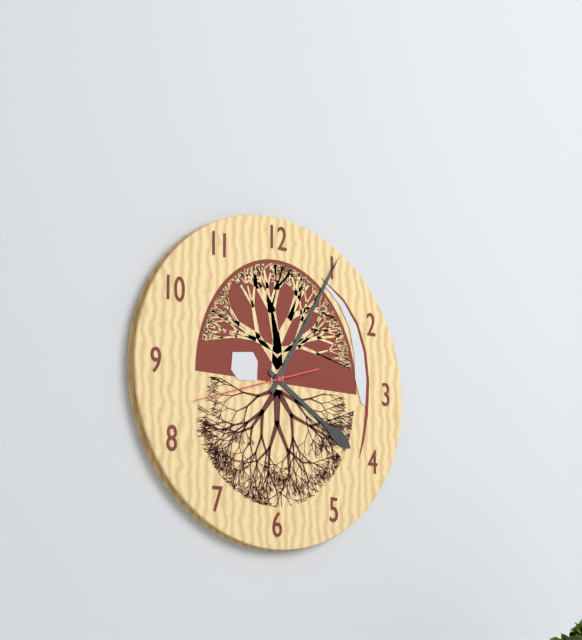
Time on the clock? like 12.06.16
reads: 4.05.42
